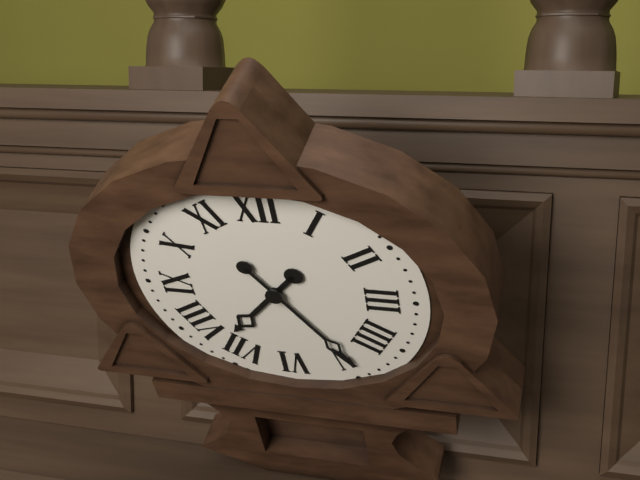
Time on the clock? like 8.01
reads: 7.24
